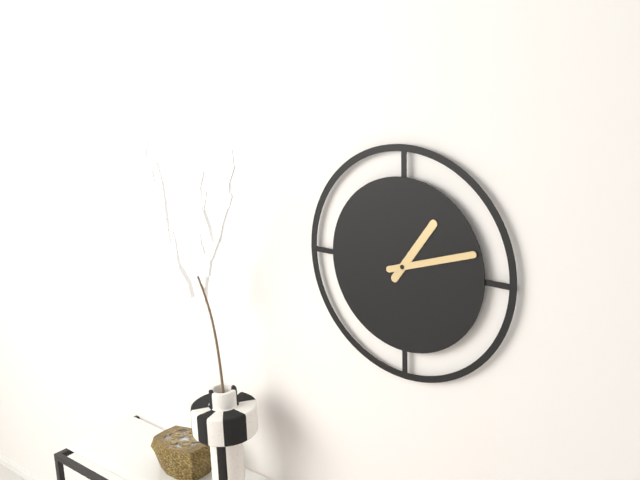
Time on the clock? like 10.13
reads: 1.12
